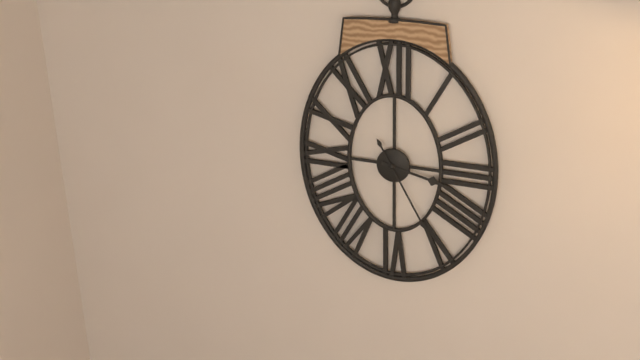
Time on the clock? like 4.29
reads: 3.25
